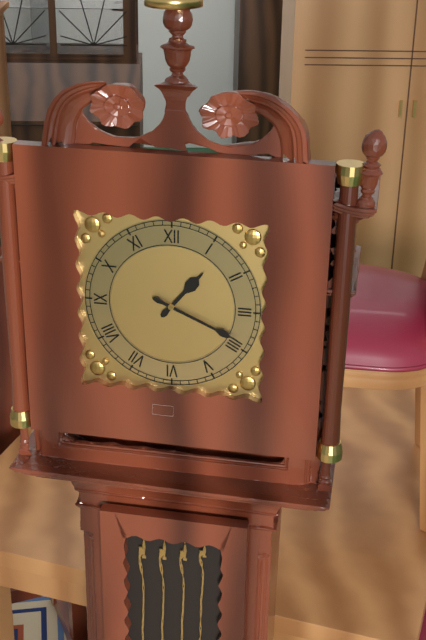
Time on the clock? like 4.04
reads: 1.19
